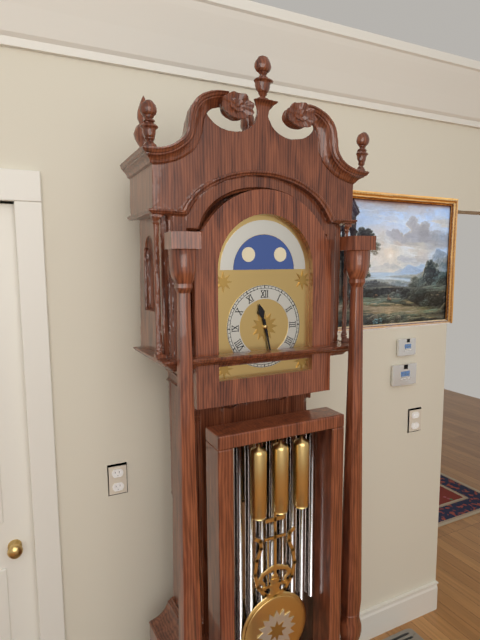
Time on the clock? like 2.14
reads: 11.28
